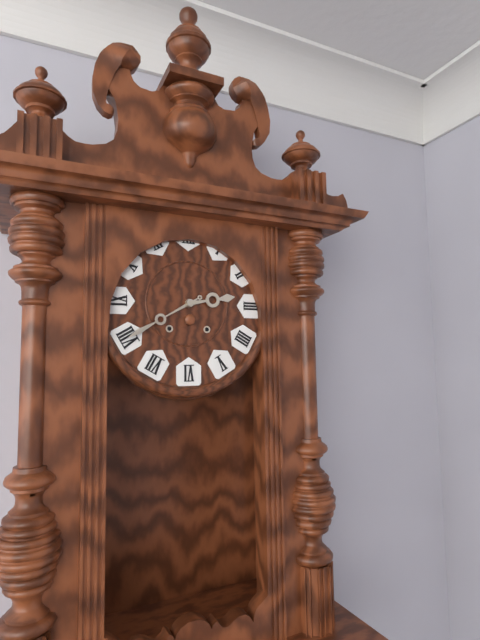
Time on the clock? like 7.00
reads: 2.40
